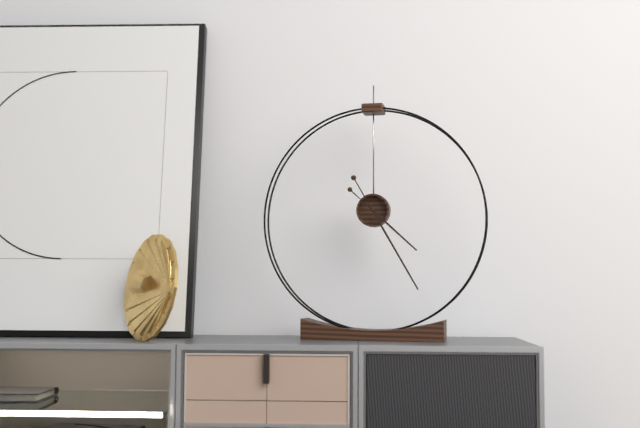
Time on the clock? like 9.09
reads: 4.25
